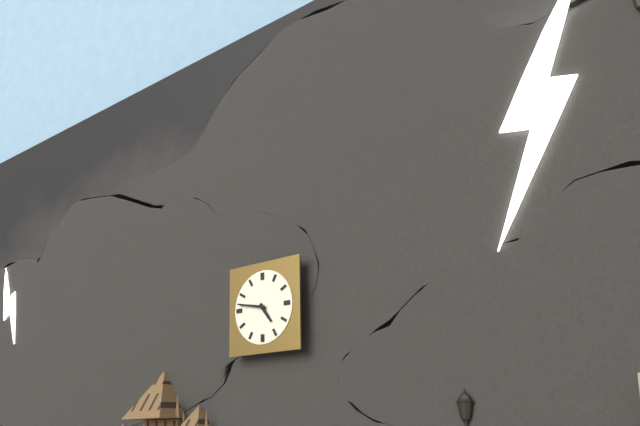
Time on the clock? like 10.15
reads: 4.47
